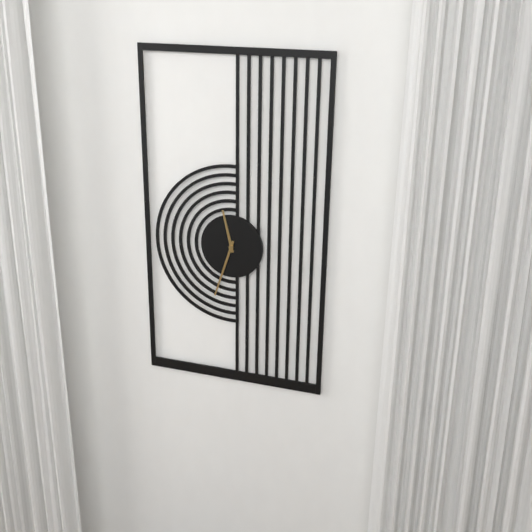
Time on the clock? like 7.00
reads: 11.33
